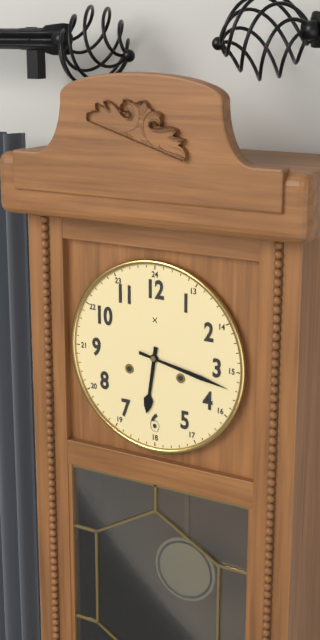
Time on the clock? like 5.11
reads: 6.17
